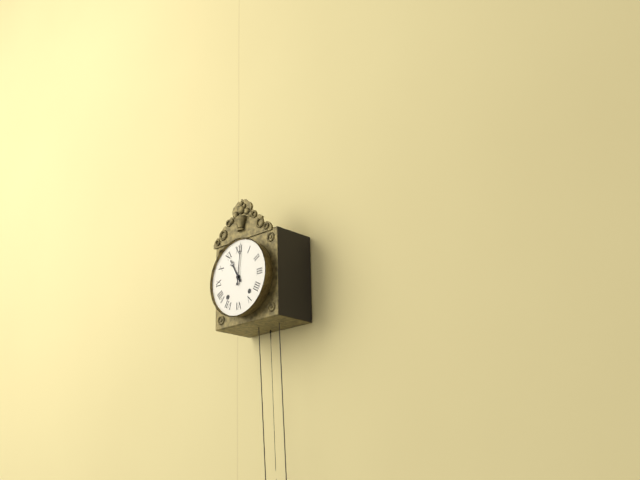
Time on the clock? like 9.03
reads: 11.01
